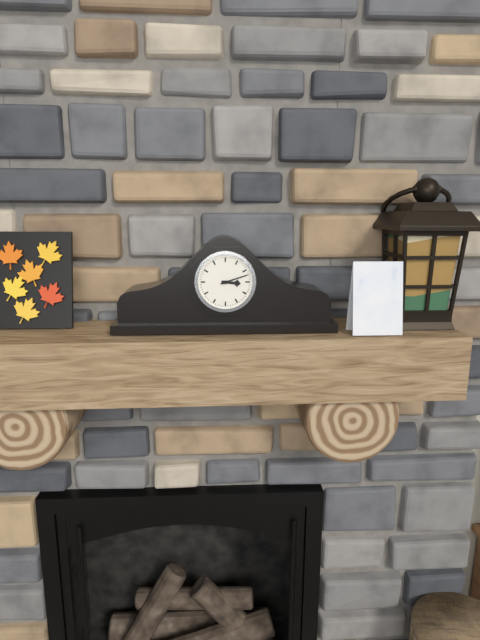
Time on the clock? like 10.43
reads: 3.12
